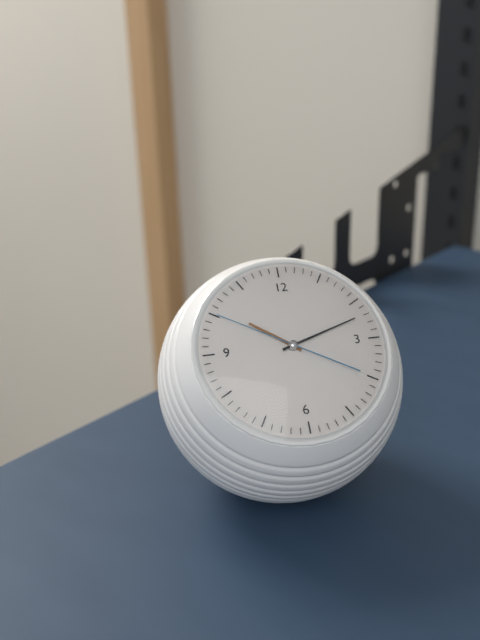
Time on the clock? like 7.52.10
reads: 10.12.50
